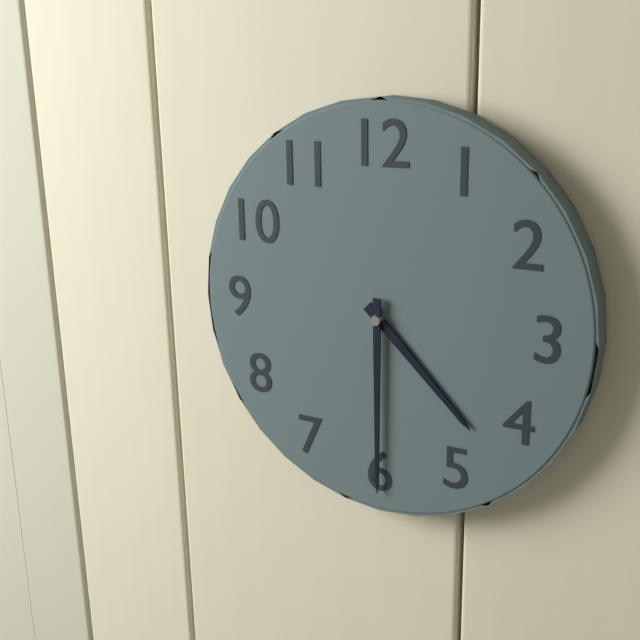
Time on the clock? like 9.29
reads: 4.30
